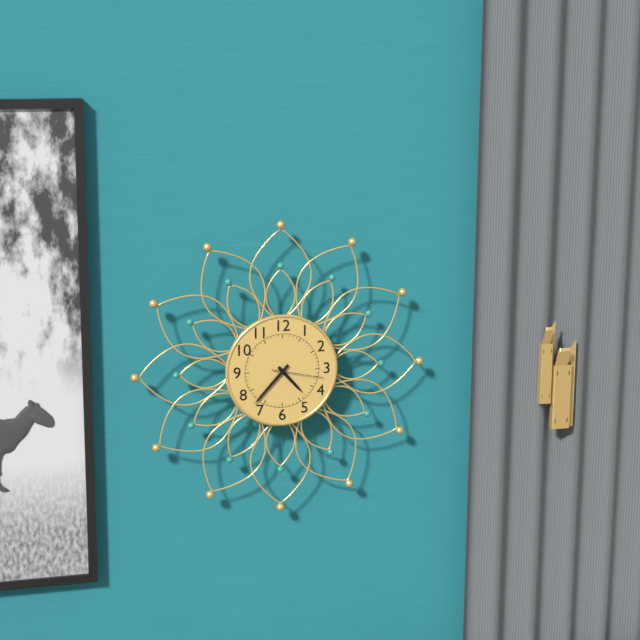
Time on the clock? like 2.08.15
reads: 4.37.17
